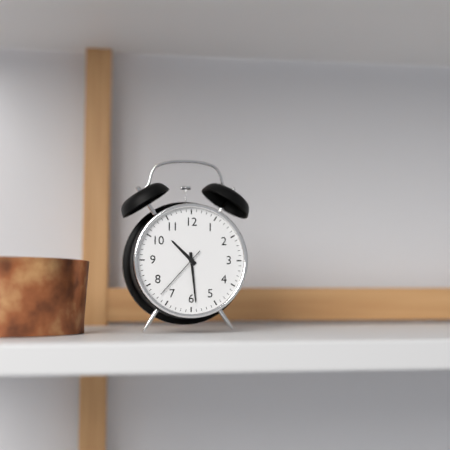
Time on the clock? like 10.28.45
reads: 10.29.37
